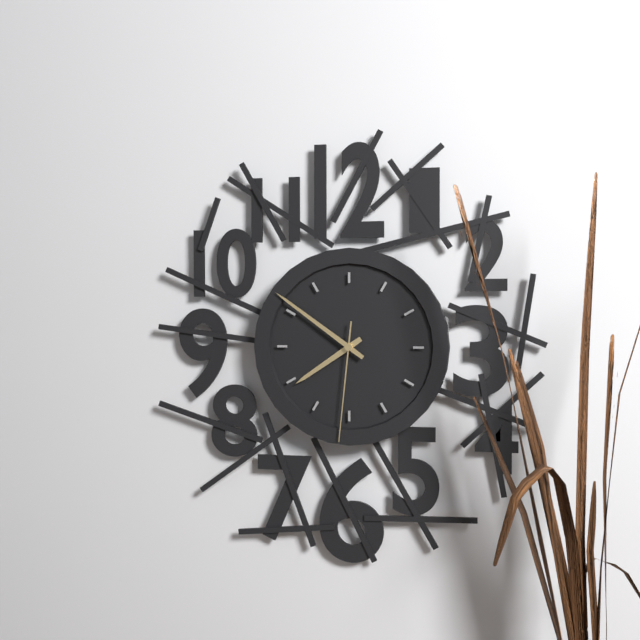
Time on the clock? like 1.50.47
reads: 7.51.31
